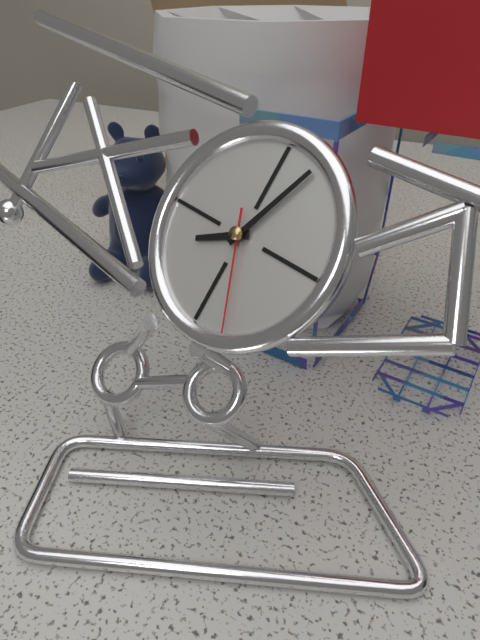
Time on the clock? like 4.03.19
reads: 8.04.26
